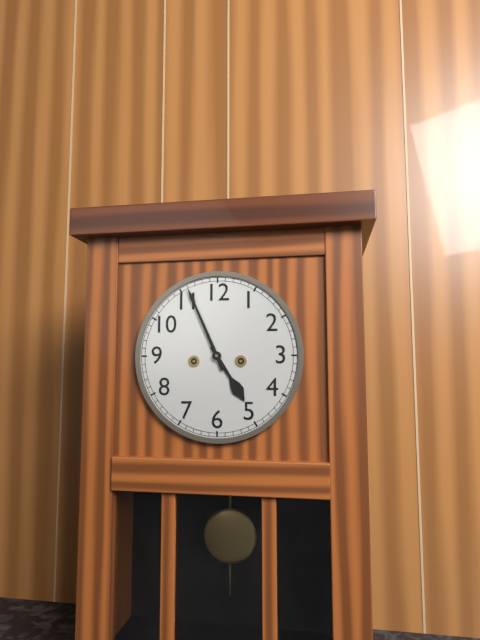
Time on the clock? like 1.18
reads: 4.56
